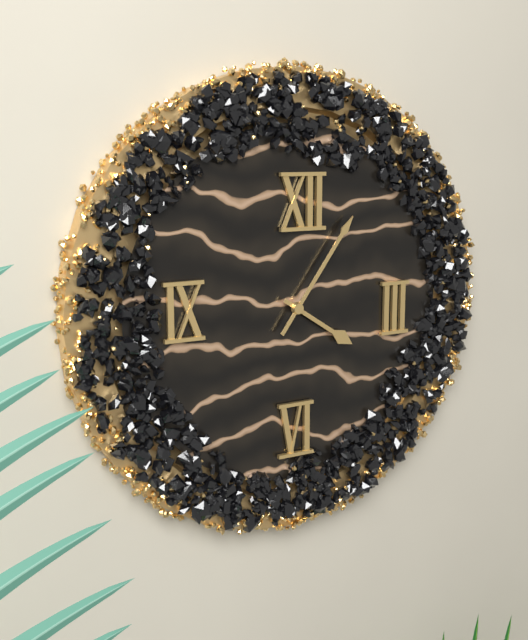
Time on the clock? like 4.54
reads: 4.06
